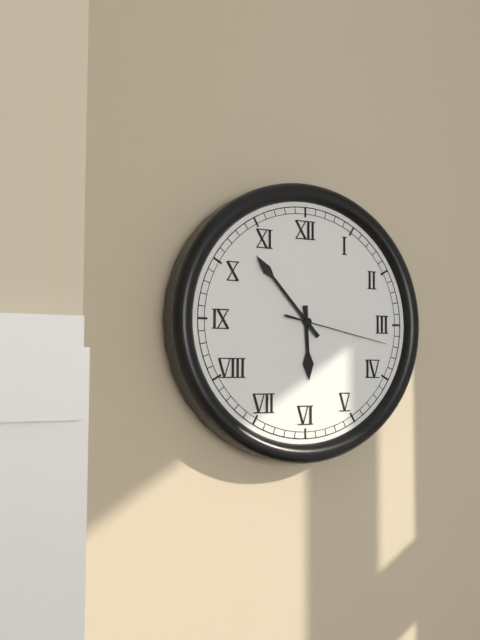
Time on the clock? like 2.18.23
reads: 5.53.17
